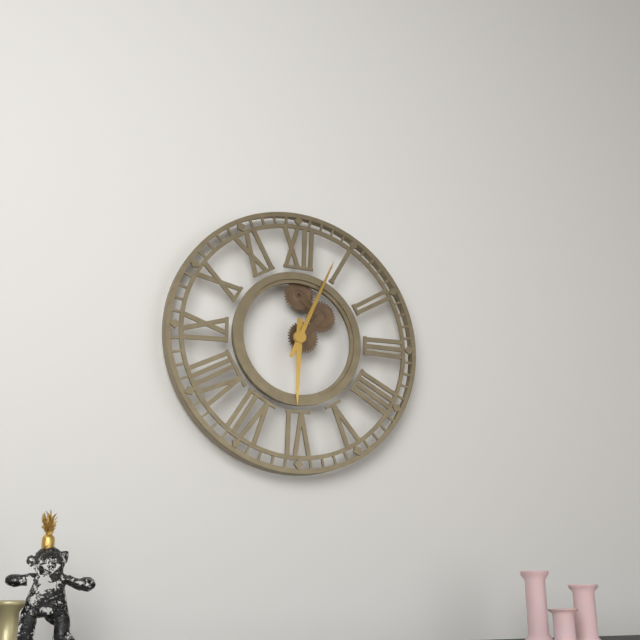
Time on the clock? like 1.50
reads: 6.04
